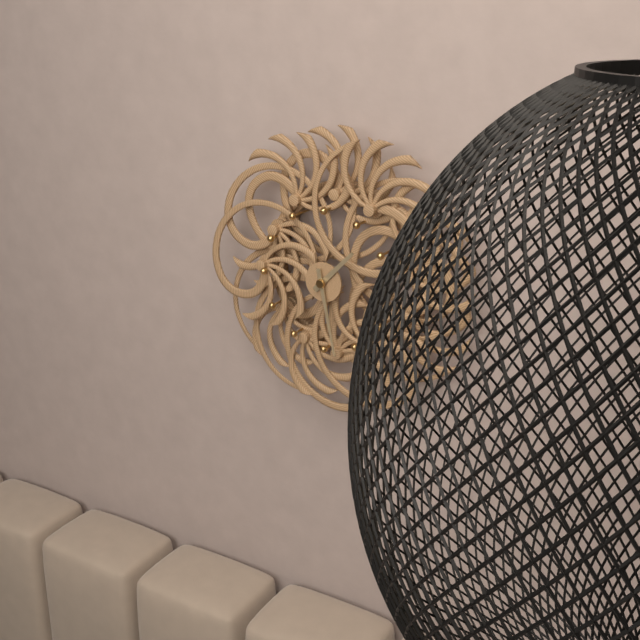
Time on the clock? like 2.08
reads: 1.28
